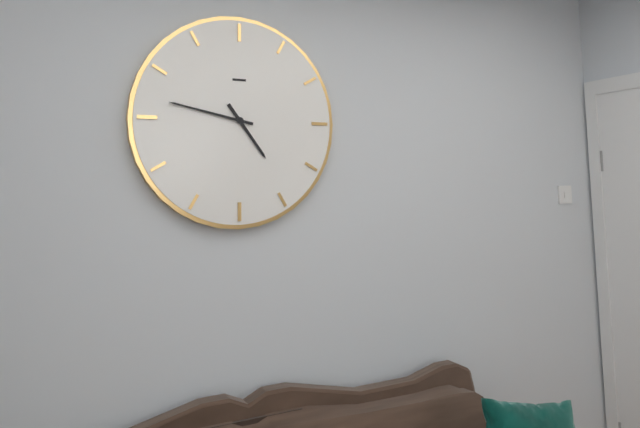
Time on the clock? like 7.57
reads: 4.47
